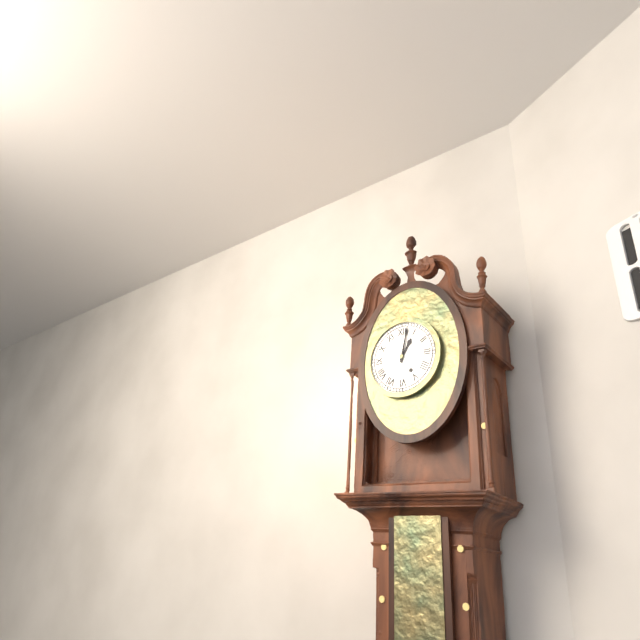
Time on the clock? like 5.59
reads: 1.02
